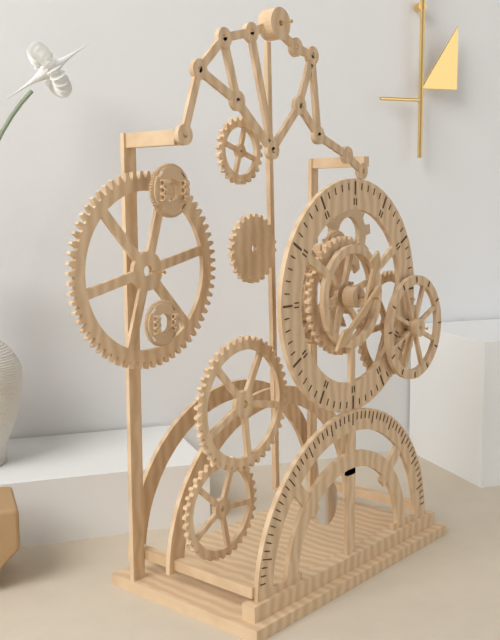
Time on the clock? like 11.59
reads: 12.39
